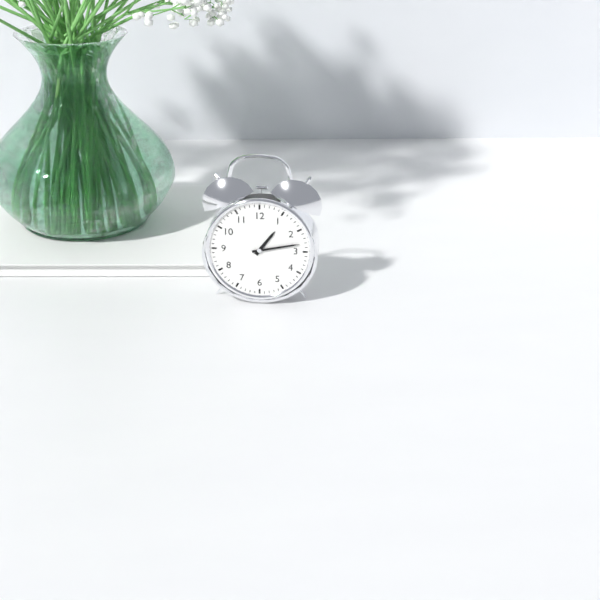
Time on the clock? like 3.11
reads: 1.13
